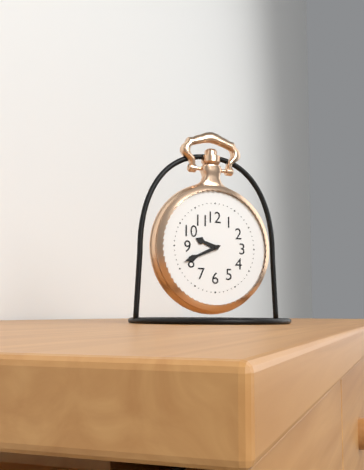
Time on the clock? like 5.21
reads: 9.41
